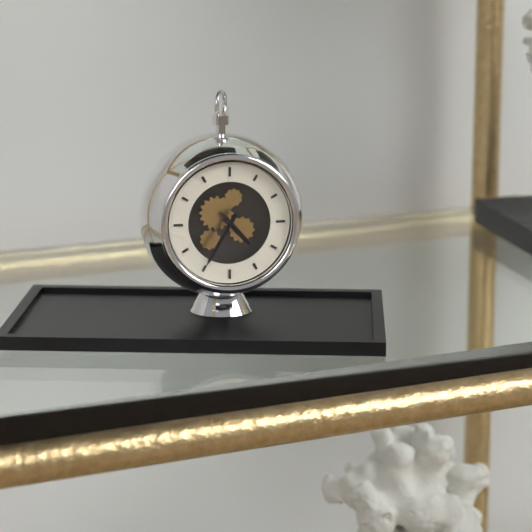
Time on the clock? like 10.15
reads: 4.35
